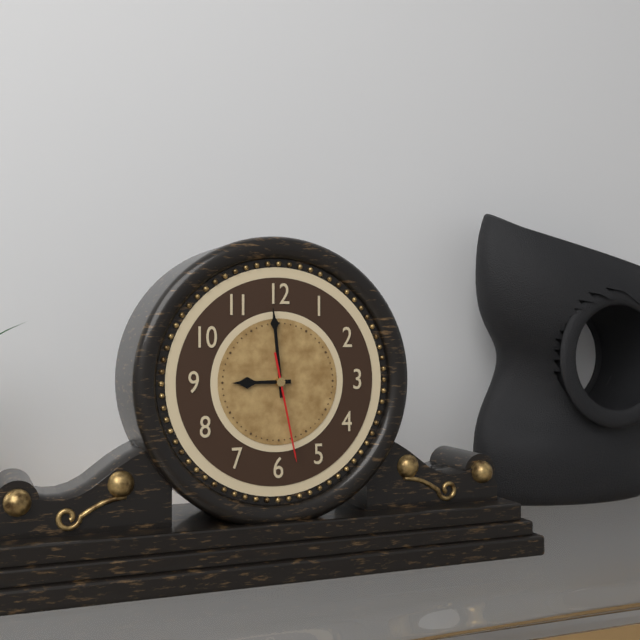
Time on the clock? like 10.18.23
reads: 8.59.28
